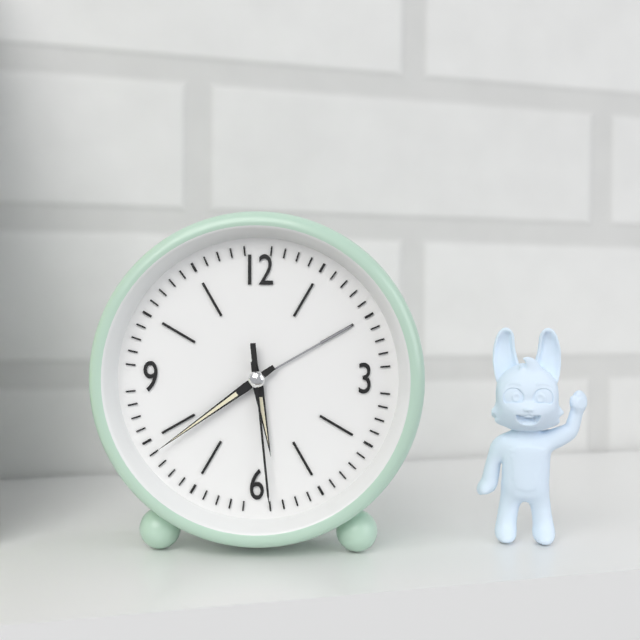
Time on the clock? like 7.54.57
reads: 5.39.29
